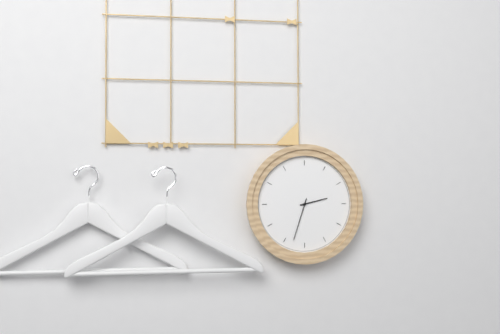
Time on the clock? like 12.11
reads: 2.33
